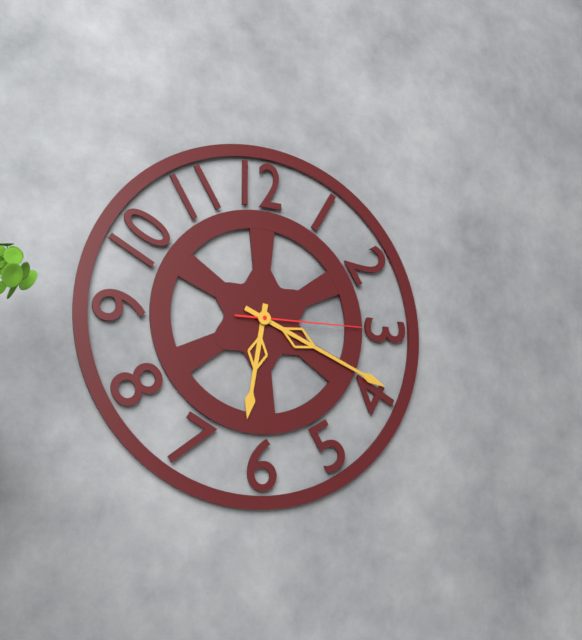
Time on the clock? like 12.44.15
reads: 6.19.15
